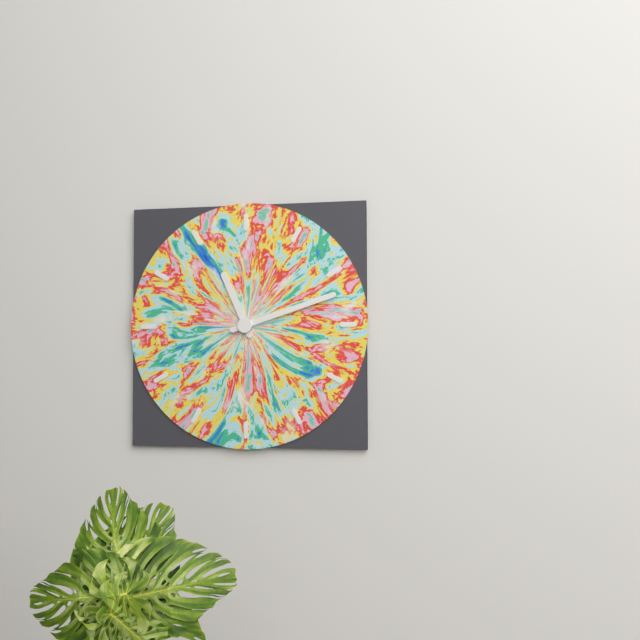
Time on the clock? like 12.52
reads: 11.12
